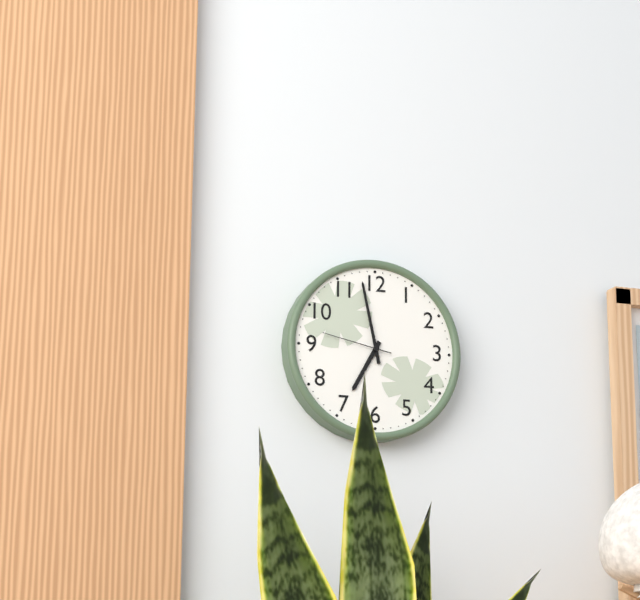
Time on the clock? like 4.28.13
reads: 6.58.47
